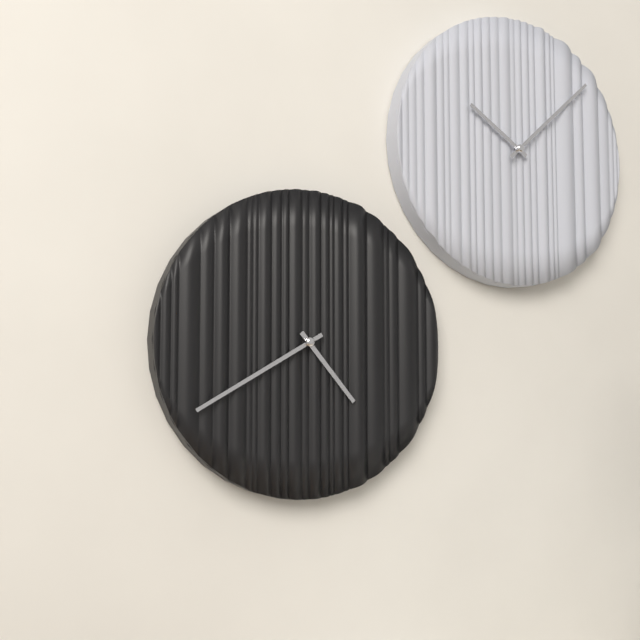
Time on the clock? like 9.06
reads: 4.40
